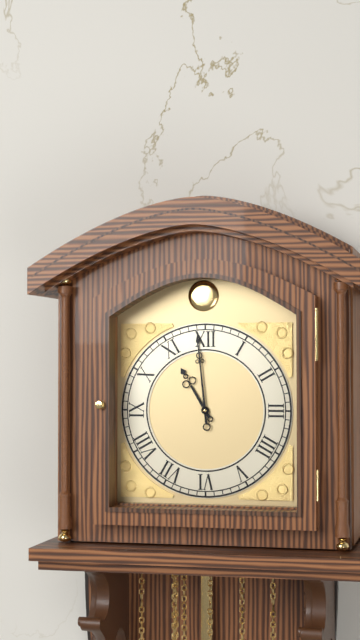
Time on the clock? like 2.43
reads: 10.59
